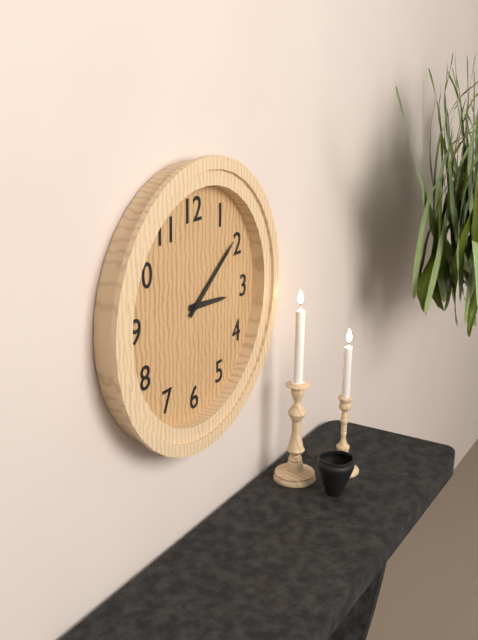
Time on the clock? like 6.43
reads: 3.09
